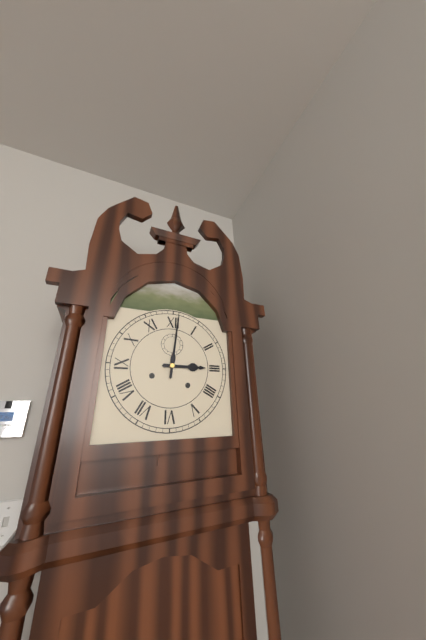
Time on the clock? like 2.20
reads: 3.01
